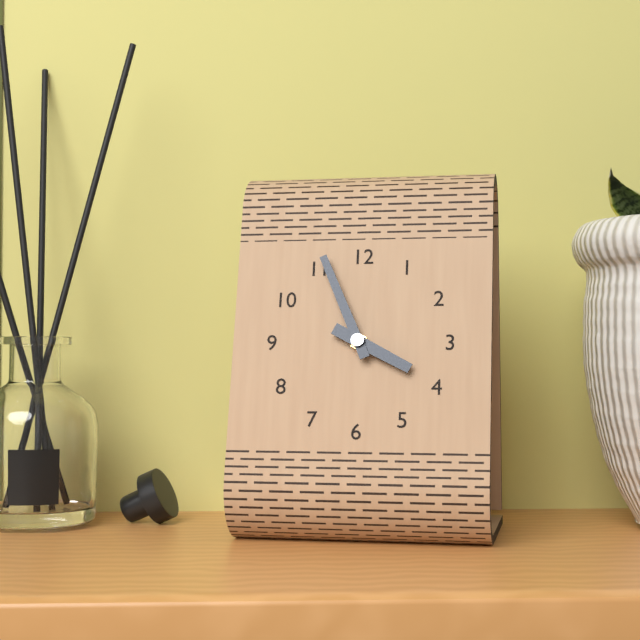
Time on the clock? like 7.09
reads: 3.56
